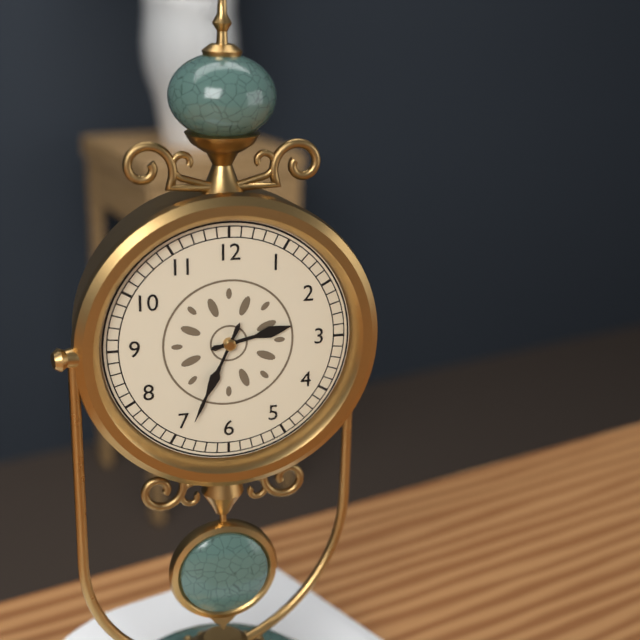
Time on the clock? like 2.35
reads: 2.34
